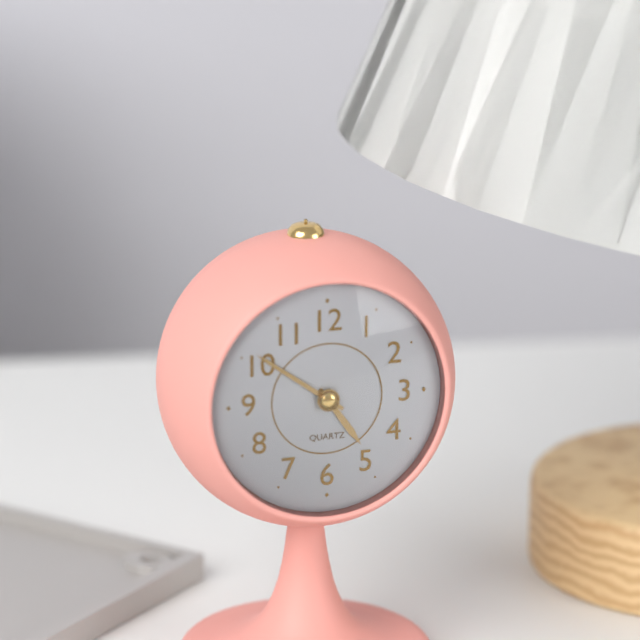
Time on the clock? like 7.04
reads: 4.51
